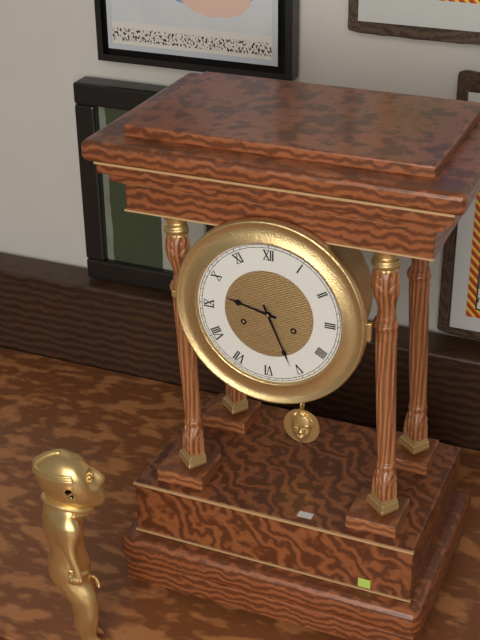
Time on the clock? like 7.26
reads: 9.26
